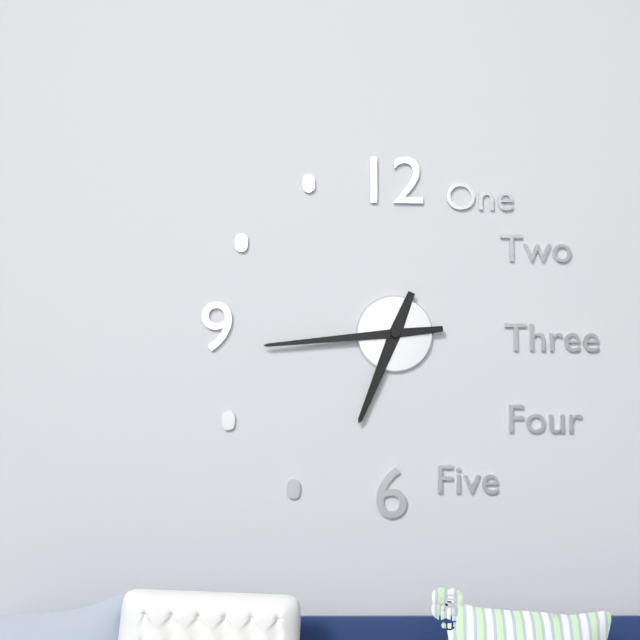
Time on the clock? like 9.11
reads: 6.44
